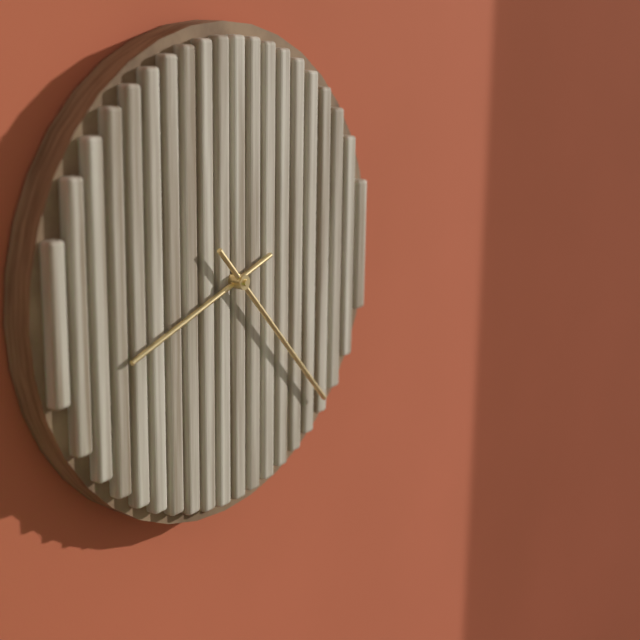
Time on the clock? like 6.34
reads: 8.23
